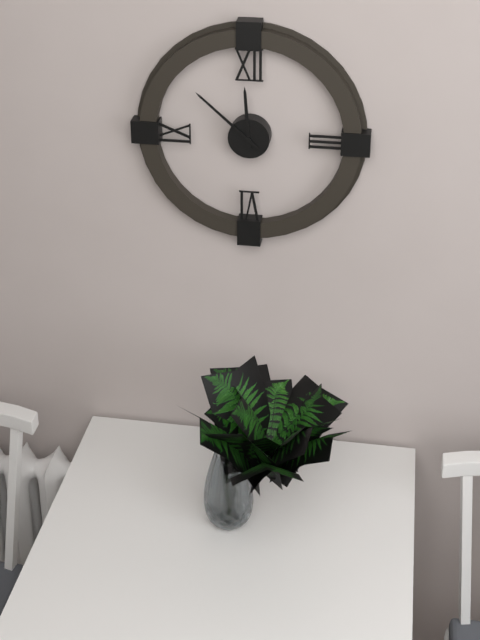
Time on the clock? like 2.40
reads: 11.52
